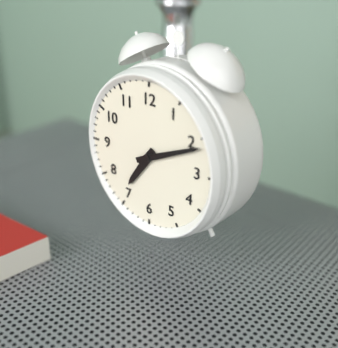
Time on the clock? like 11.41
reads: 7.11
